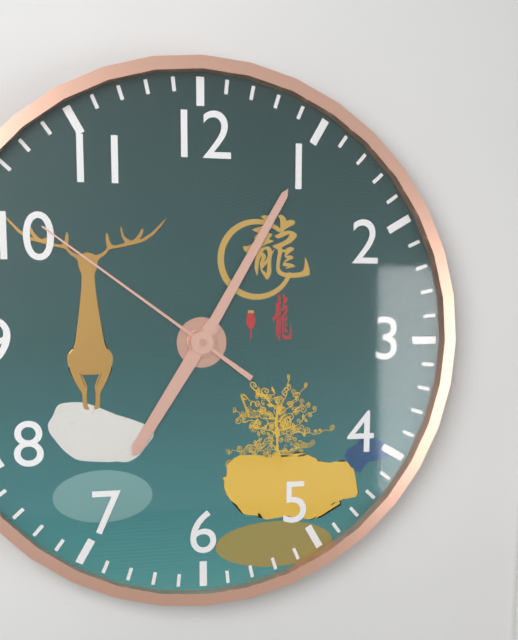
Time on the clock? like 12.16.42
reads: 7.05.51
